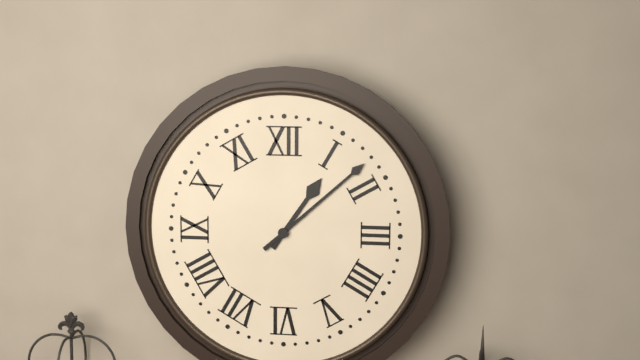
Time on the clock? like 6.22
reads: 1.08
